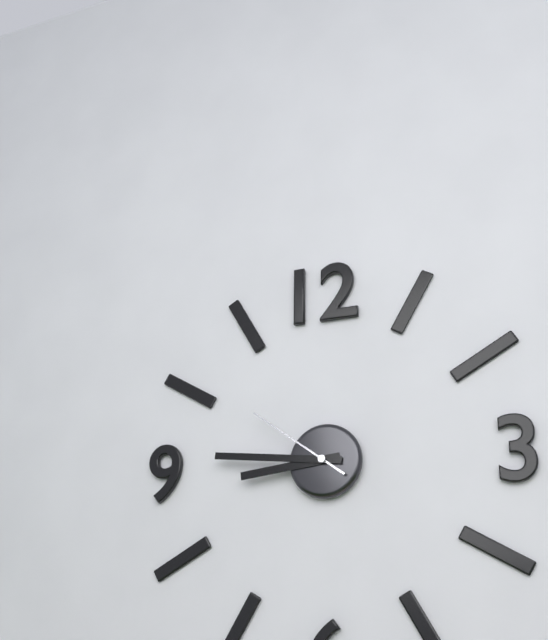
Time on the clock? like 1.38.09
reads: 8.46.51
